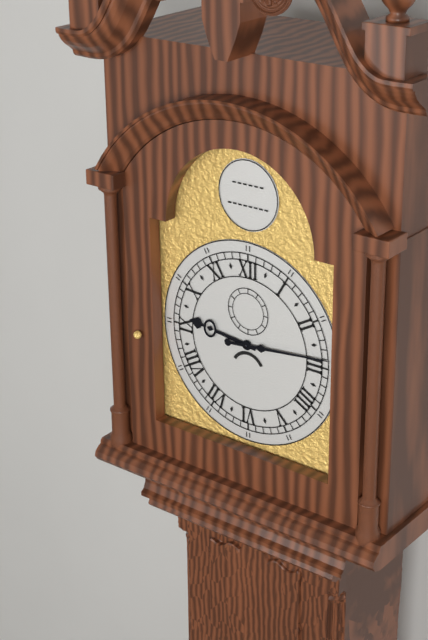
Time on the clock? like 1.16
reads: 9.14
